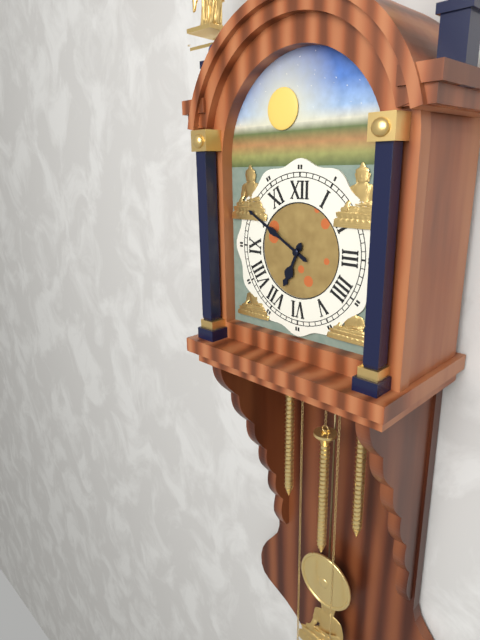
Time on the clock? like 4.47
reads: 6.50
